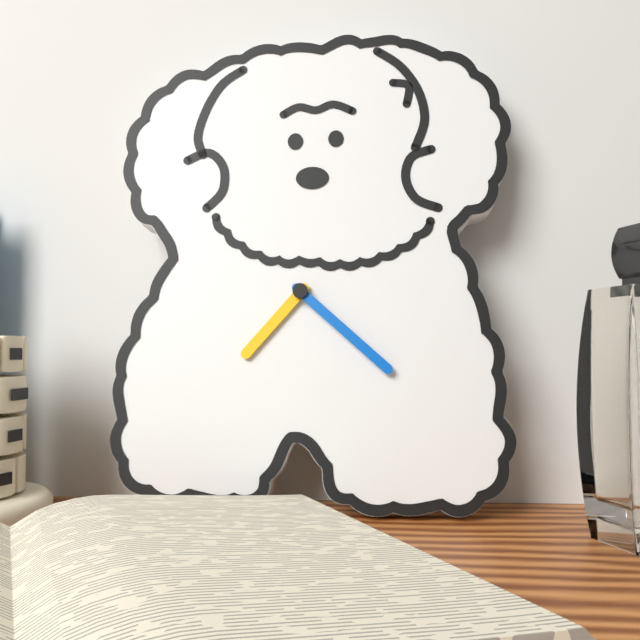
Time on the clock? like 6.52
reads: 7.22
